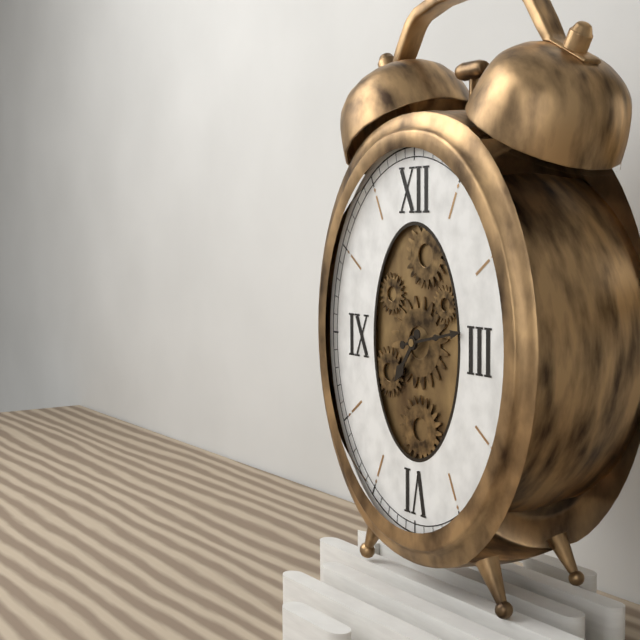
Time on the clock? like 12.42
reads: 7.13
